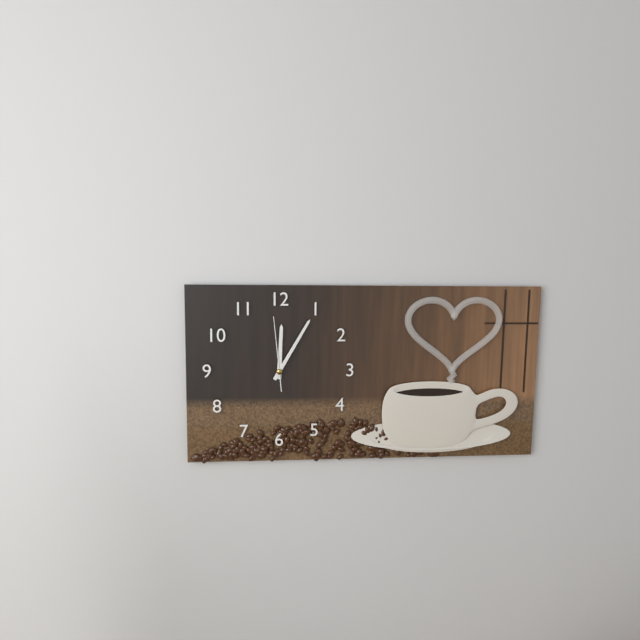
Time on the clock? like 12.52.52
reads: 12.05.59
